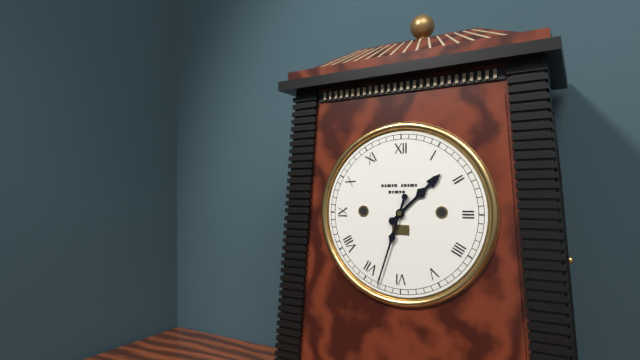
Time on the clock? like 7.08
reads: 1.33
